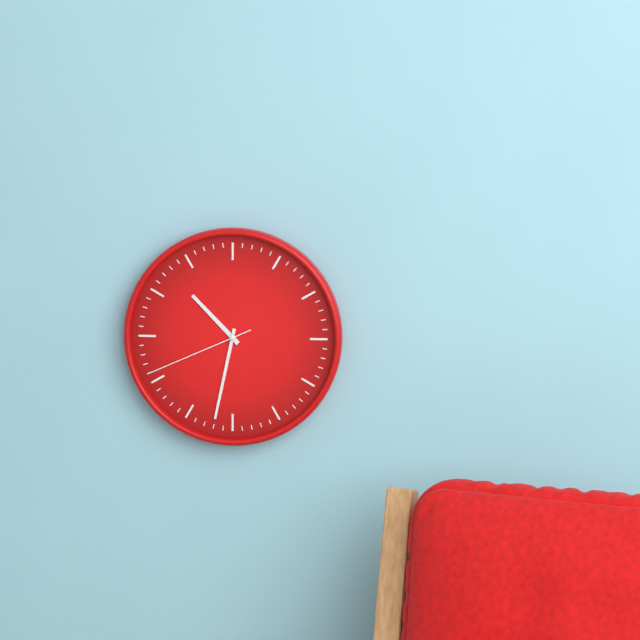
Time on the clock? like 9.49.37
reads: 10.32.41
